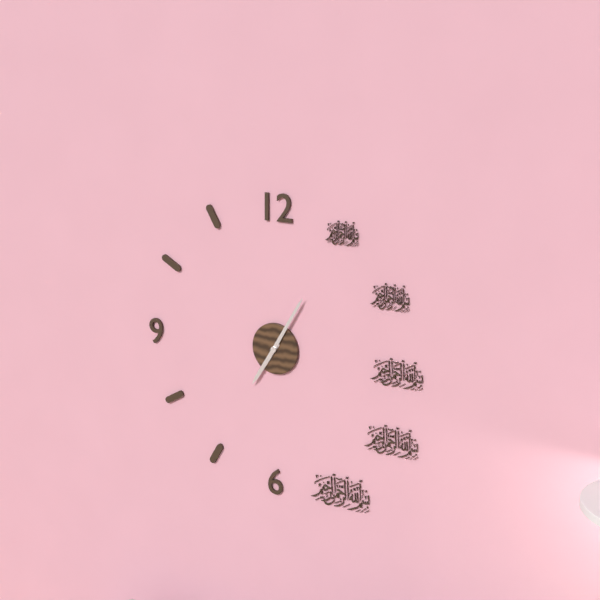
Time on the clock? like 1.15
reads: 7.05
